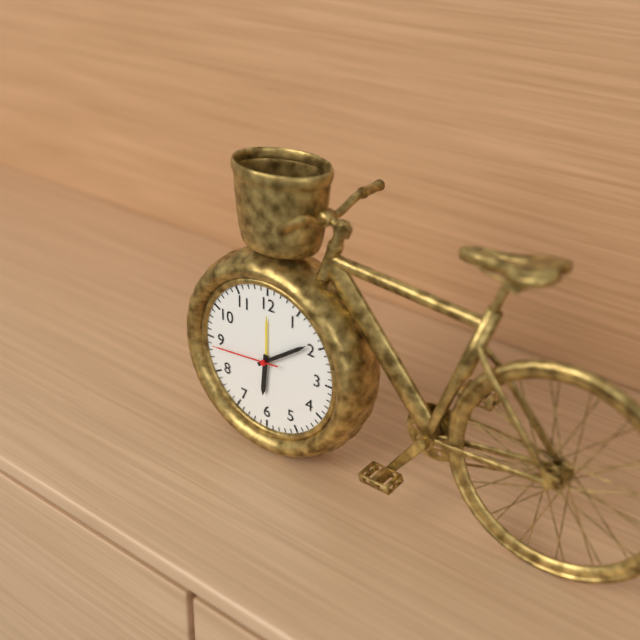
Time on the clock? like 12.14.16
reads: 6.09.44
